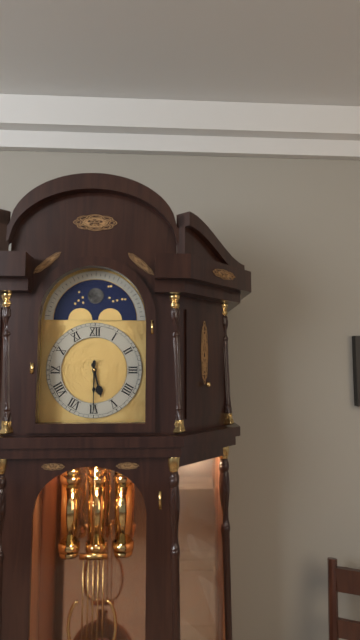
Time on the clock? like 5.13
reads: 5.30
